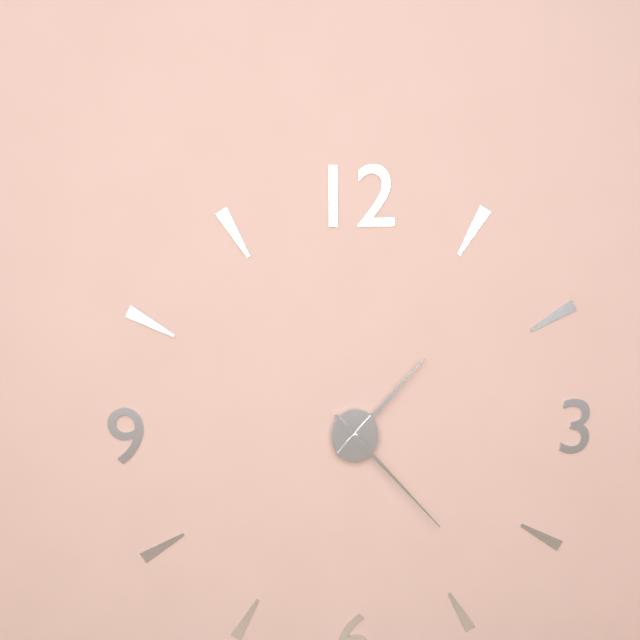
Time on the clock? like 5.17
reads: 1.23
